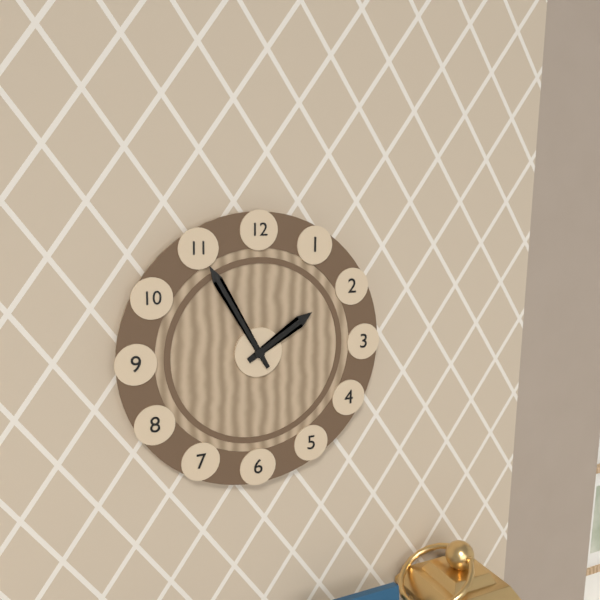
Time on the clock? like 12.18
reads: 1.55
